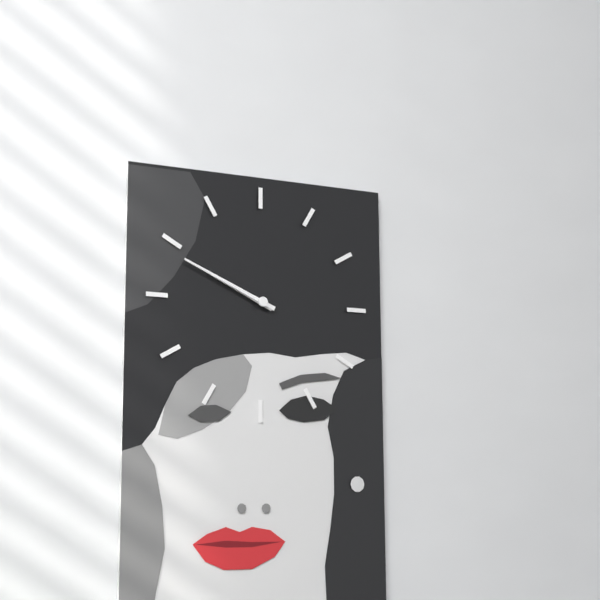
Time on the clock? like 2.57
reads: 9.49
